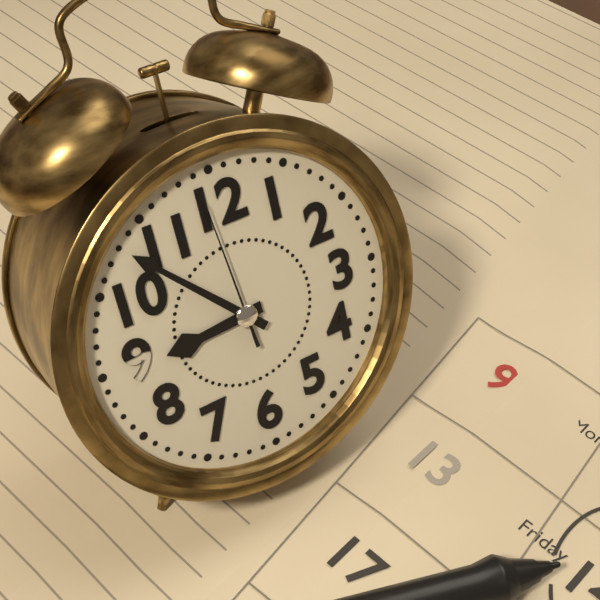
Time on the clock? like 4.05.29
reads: 8.53.59
